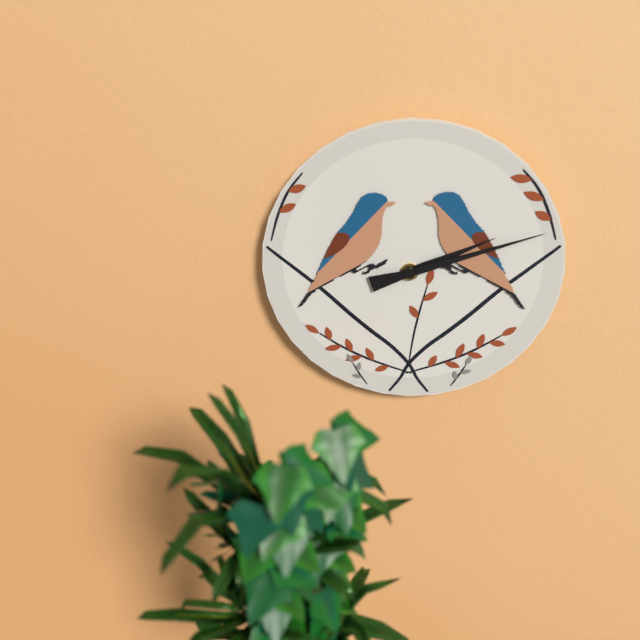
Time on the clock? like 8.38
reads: 2.12
